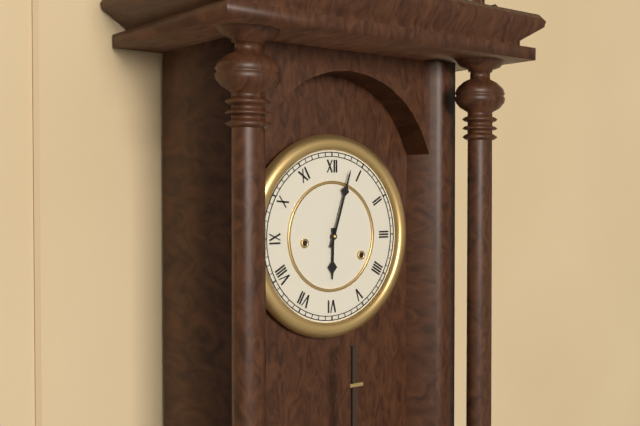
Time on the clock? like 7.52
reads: 6.03
